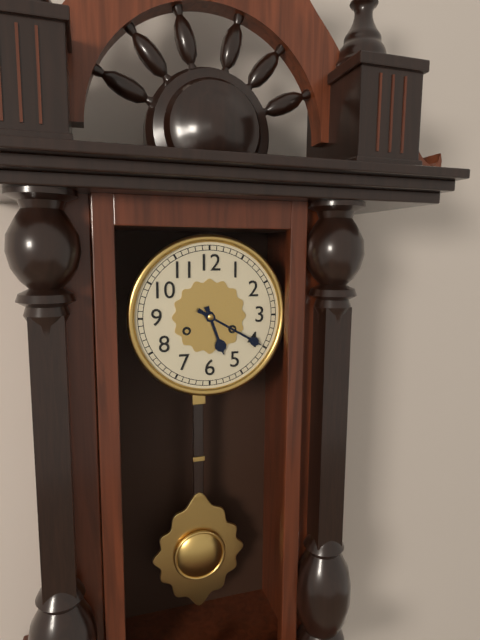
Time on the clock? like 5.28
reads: 5.20
